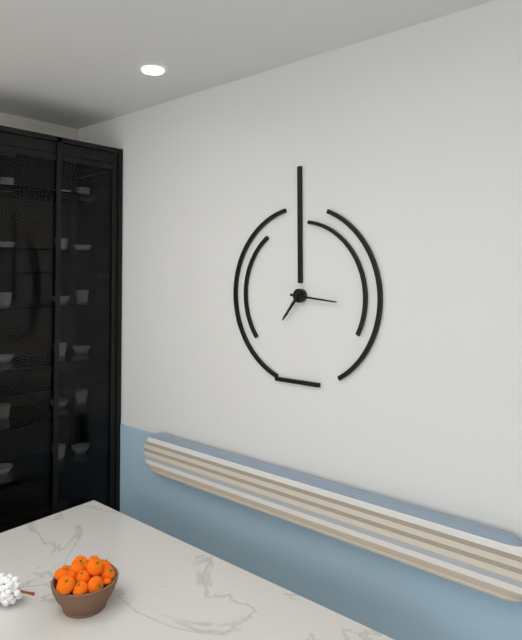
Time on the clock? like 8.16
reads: 7.16
